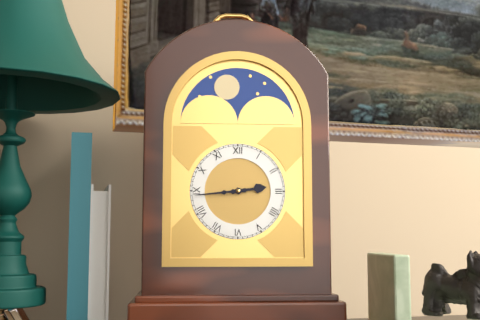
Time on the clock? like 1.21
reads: 2.44
